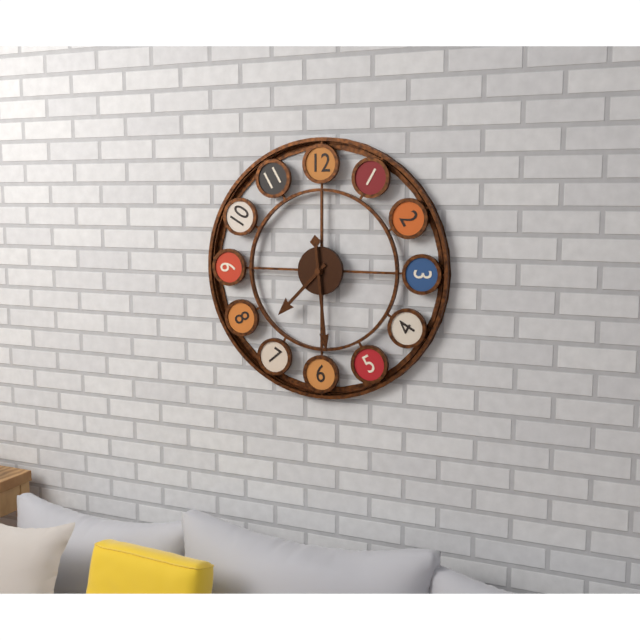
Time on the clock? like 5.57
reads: 7.29
